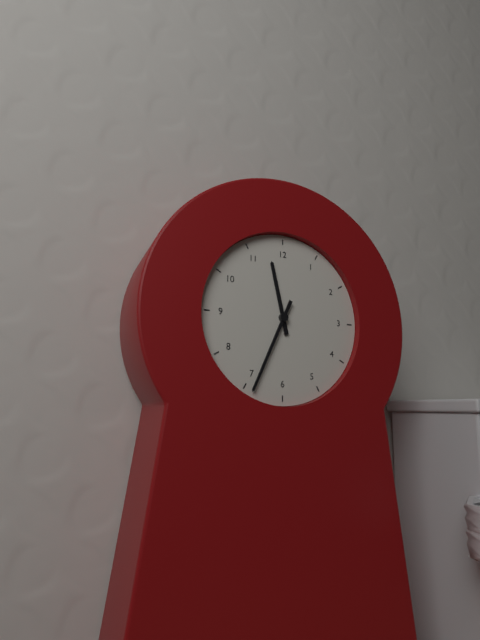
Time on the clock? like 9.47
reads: 11.34
